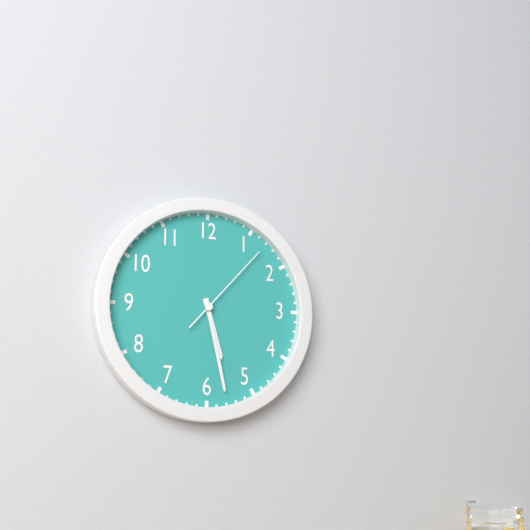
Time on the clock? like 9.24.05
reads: 5.28.07
